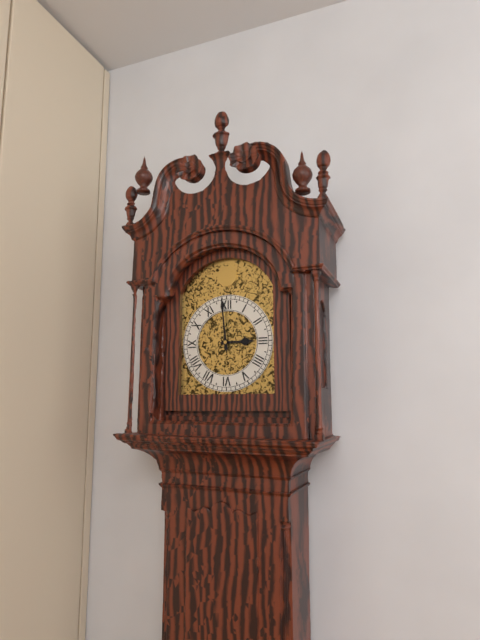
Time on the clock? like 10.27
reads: 2.59
